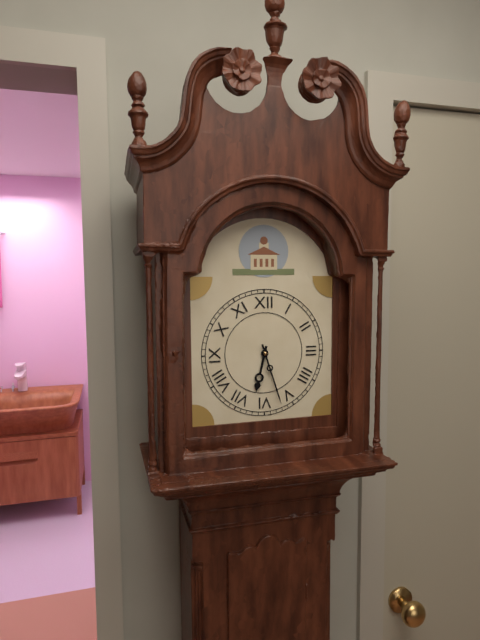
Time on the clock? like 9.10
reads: 6.27
